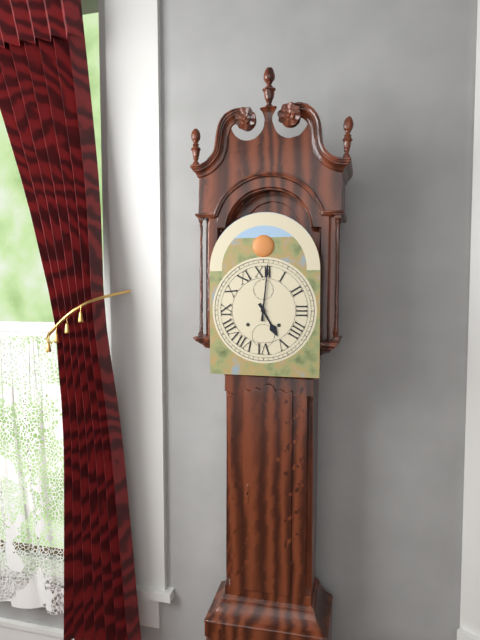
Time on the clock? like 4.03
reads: 5.01
